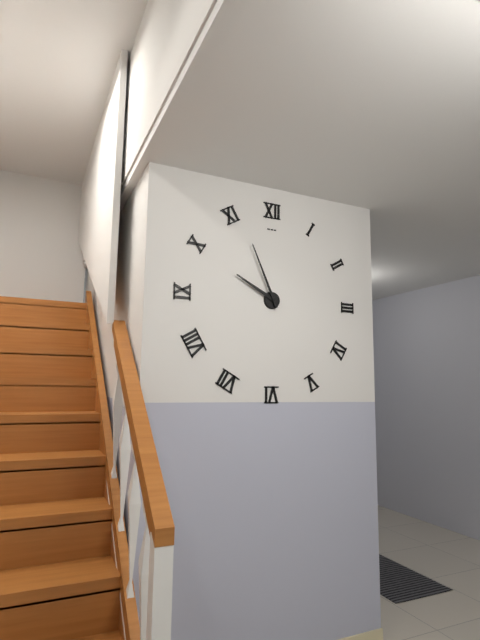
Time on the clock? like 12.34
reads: 9.56
